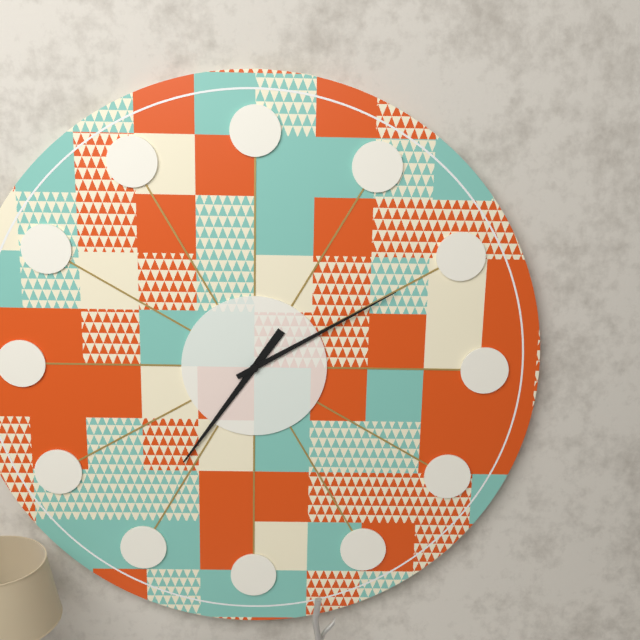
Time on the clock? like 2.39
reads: 7.10
